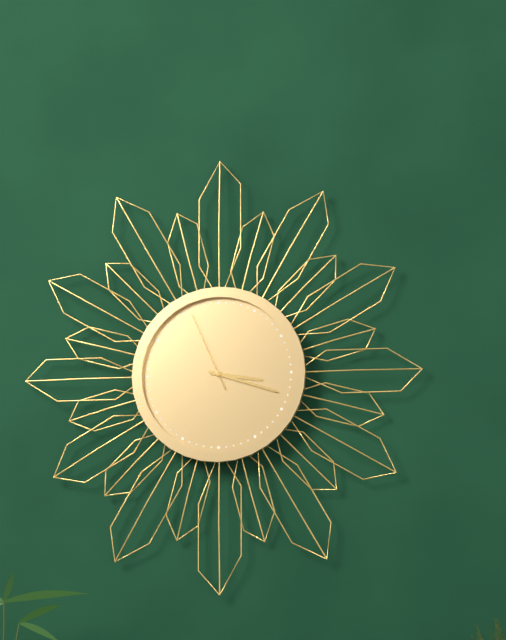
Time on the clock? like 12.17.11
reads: 3.18.56
